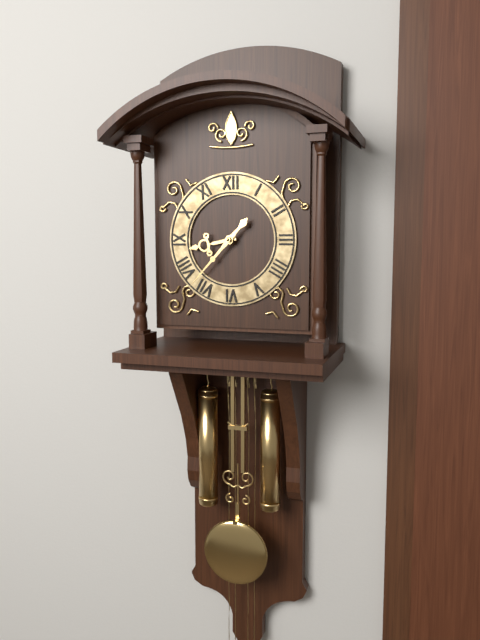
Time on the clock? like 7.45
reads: 8.37
